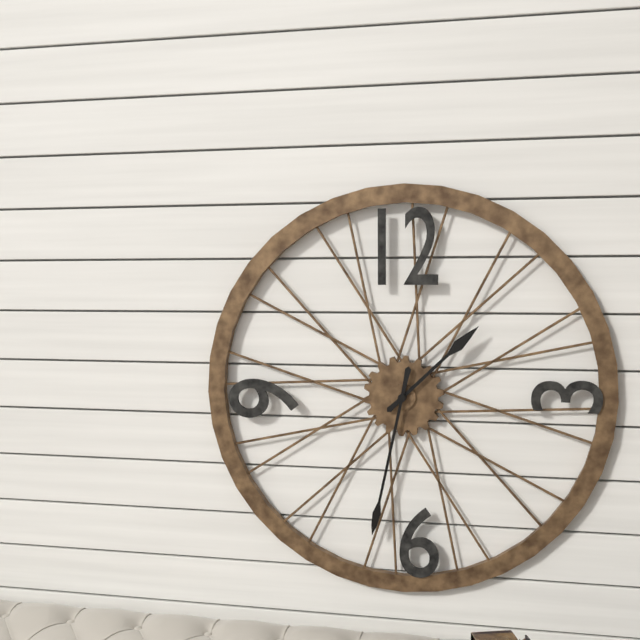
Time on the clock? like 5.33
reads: 1.32
